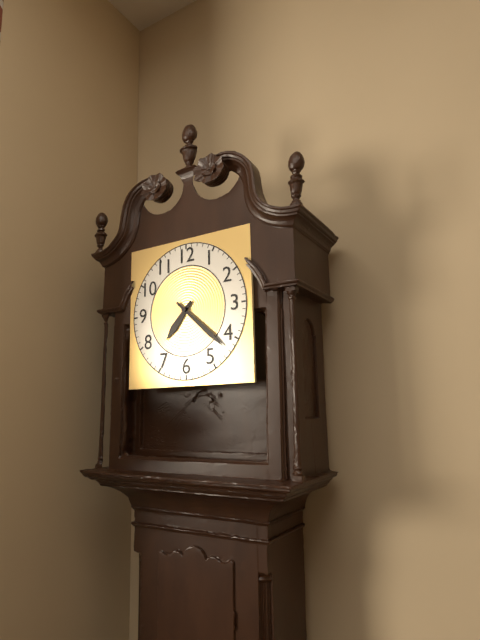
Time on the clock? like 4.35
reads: 7.22
